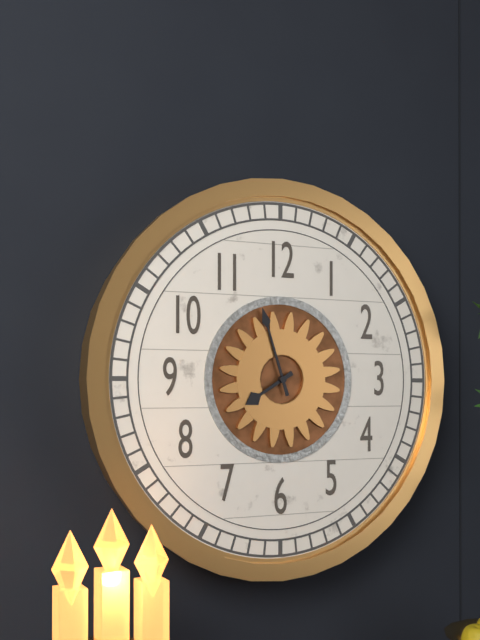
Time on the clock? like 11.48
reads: 7.57
